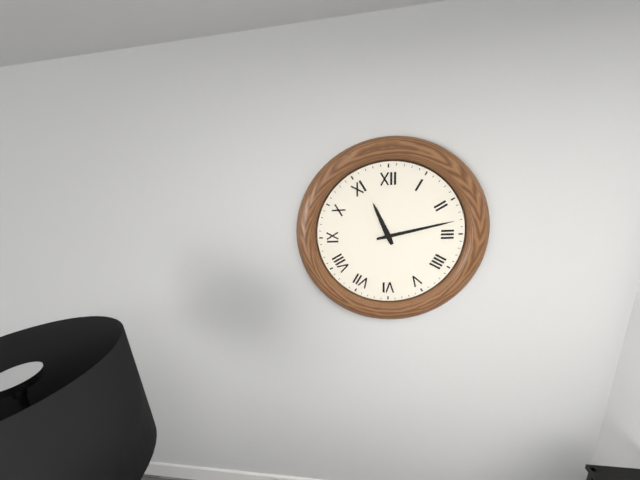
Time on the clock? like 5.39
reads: 11.13
